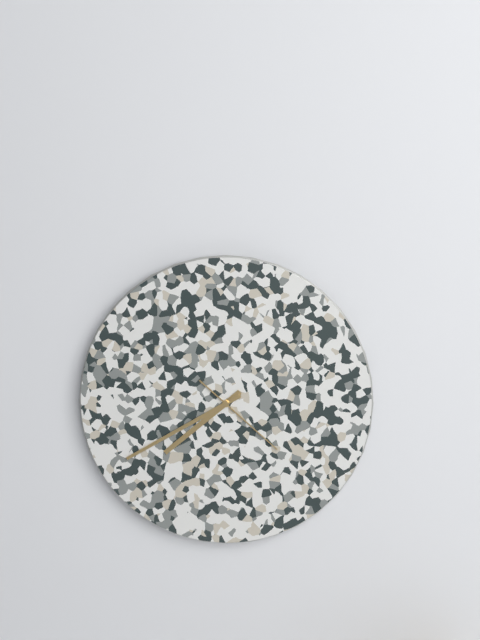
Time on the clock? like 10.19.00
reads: 7.40.22
